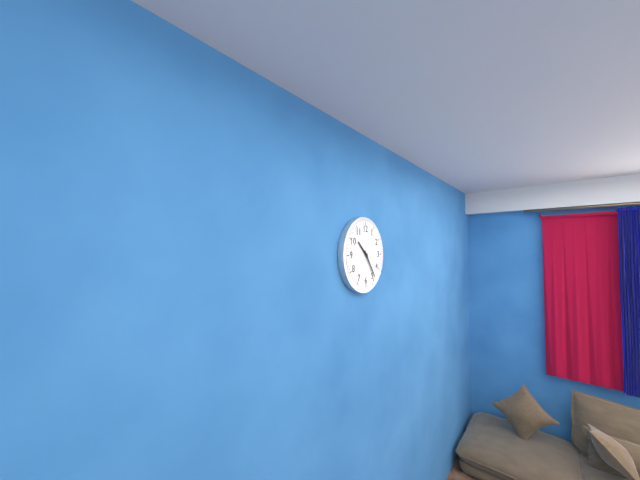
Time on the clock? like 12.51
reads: 10.24
